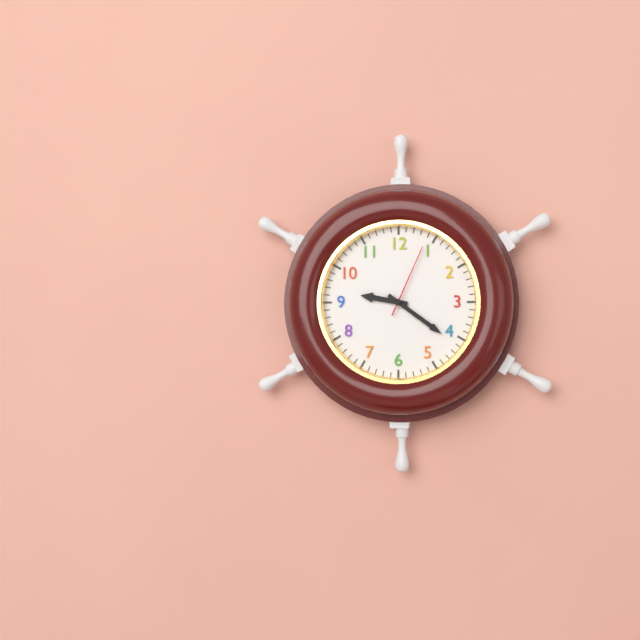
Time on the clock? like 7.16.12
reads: 9.21.04
